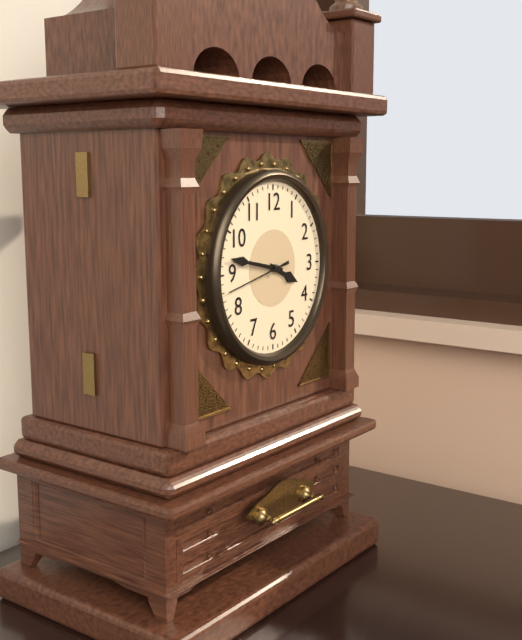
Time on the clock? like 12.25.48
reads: 3.47.43
